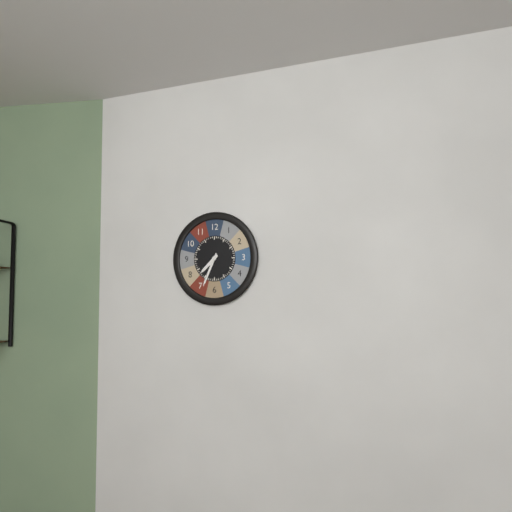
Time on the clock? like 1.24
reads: 7.34
